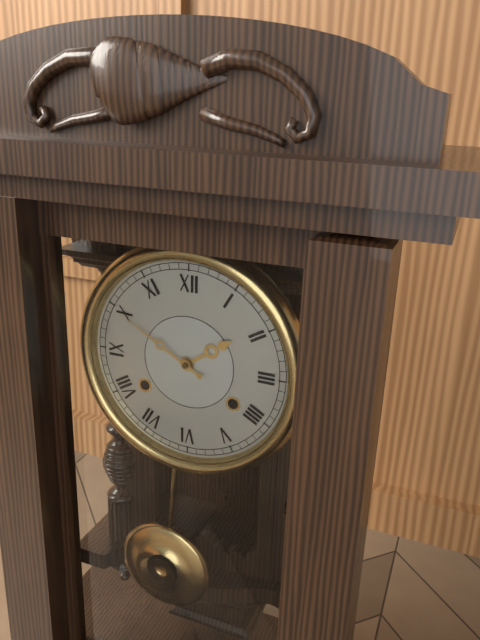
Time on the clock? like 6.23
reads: 1.50
